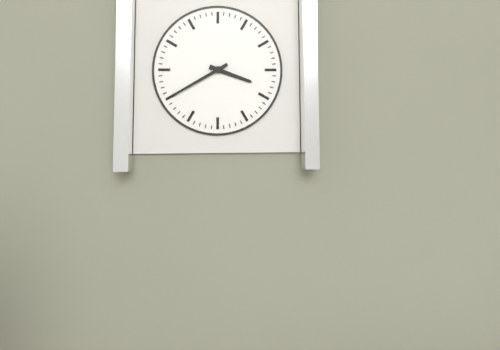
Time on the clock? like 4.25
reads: 3.40
